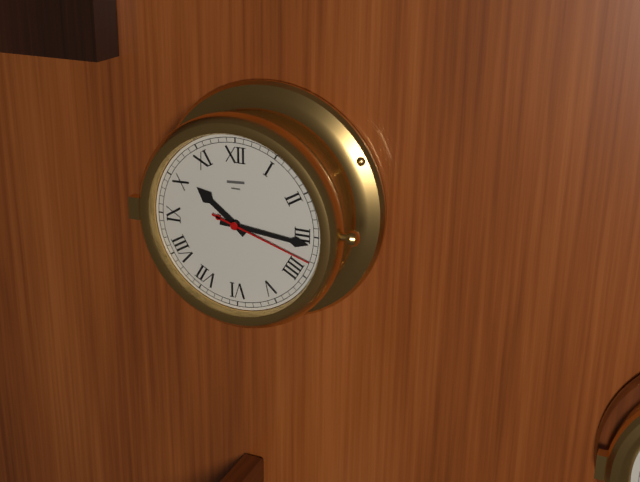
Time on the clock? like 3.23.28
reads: 10.16.18
